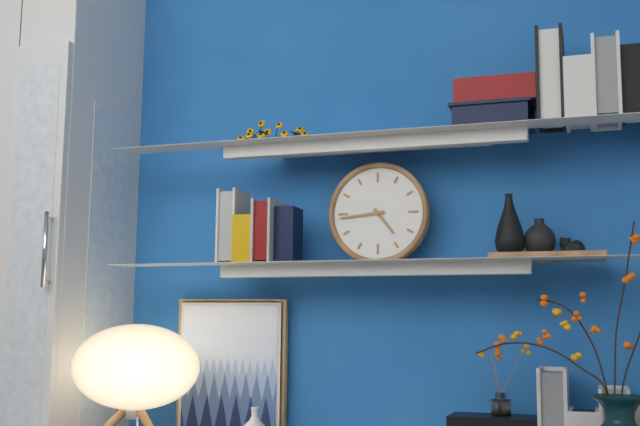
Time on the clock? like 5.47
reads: 4.44
